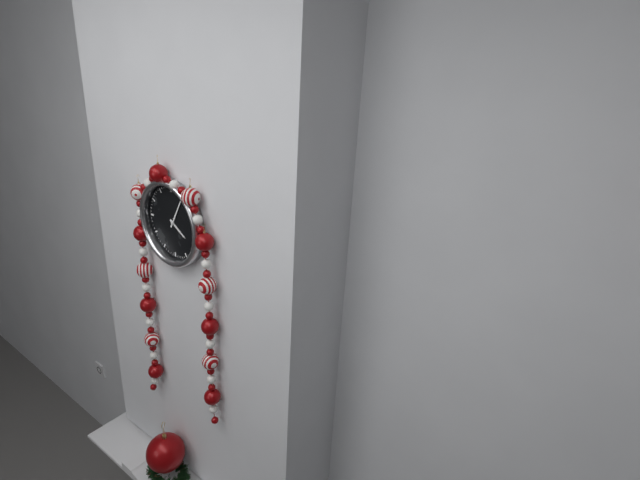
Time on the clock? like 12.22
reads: 4.05
